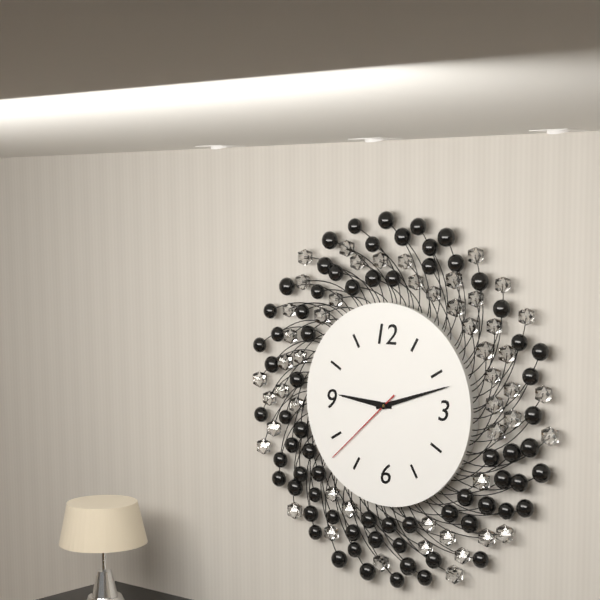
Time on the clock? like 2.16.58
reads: 9.12.38
